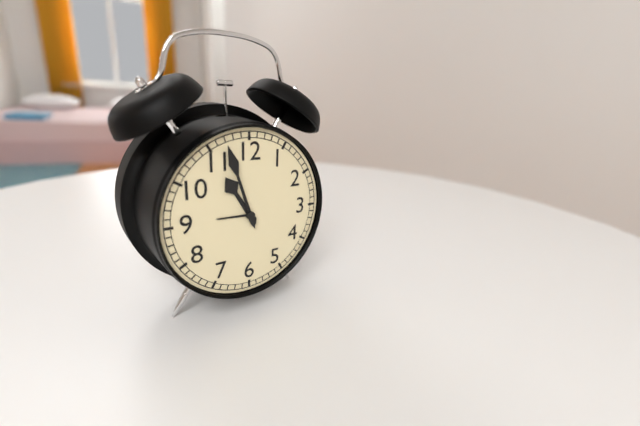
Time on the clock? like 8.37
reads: 10.57
